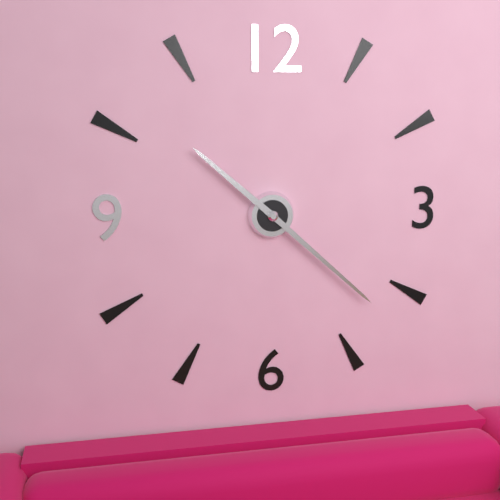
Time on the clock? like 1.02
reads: 10.22
